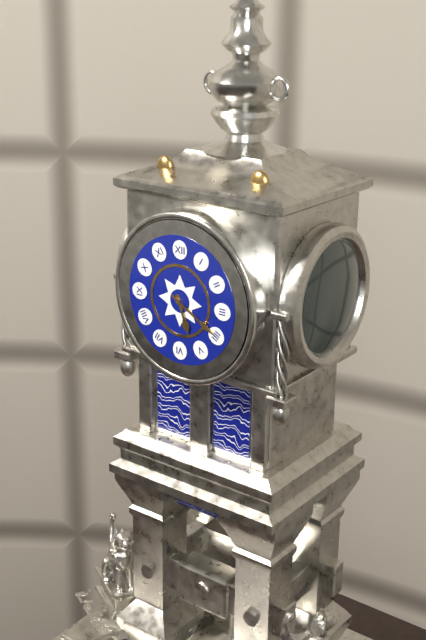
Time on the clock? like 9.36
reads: 5.20
